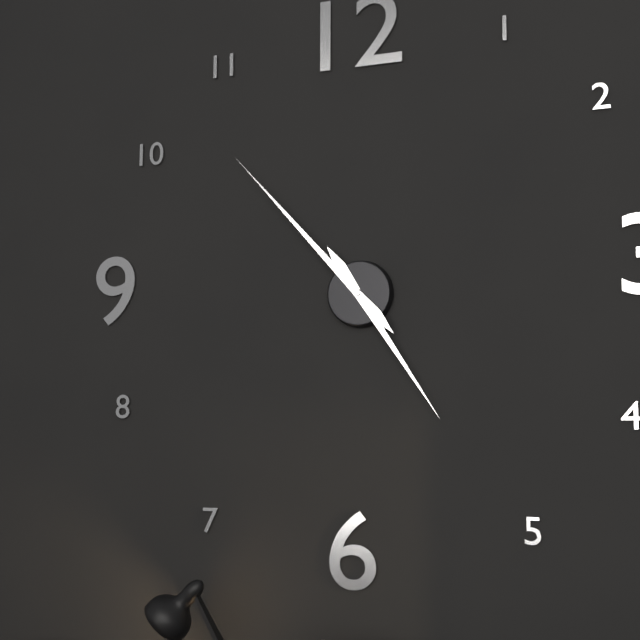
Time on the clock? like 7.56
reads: 4.53
